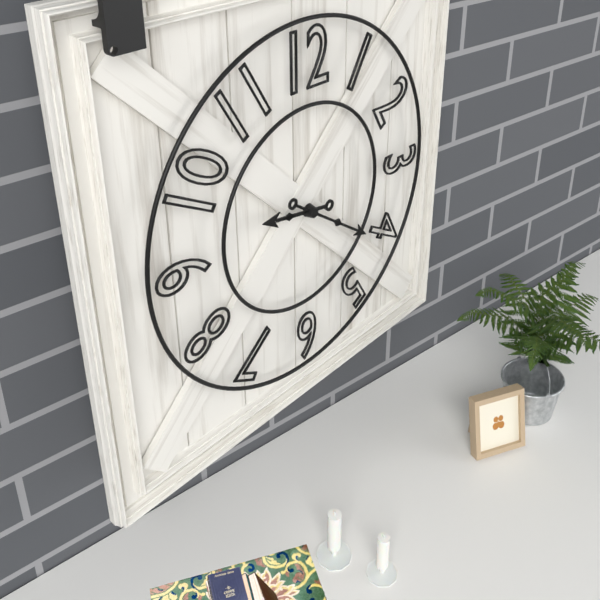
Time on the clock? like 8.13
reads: 9.21
